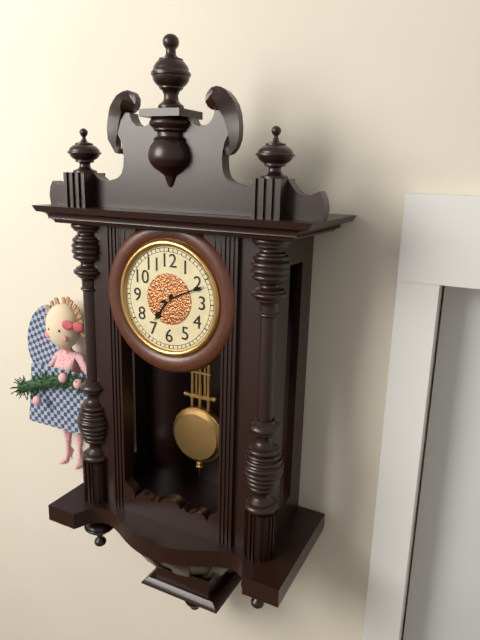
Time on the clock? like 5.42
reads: 7.11
